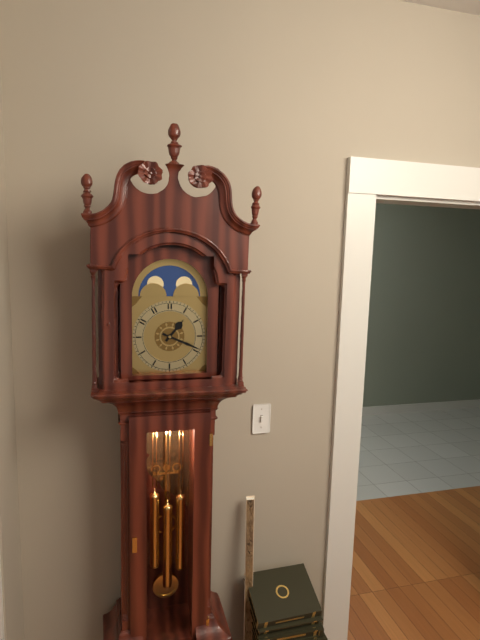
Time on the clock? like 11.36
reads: 1.19
